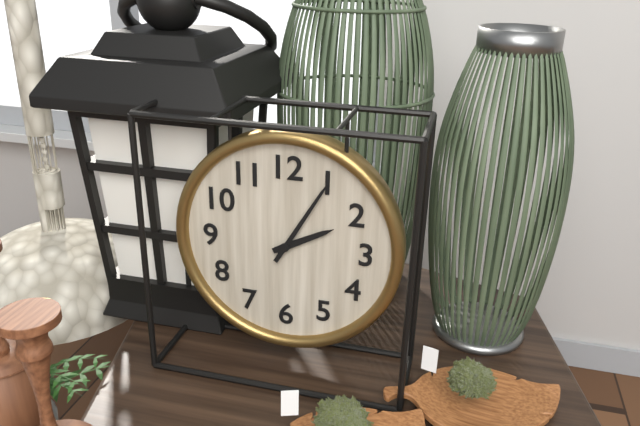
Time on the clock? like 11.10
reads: 2.05
